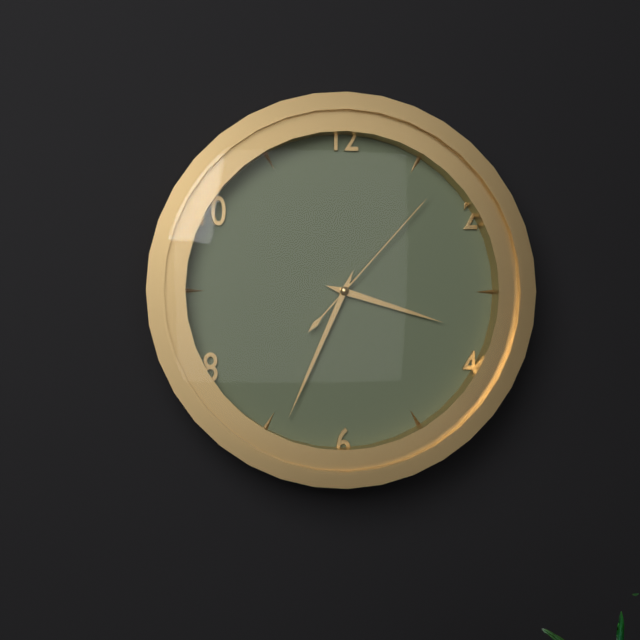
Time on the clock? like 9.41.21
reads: 3.34.07
